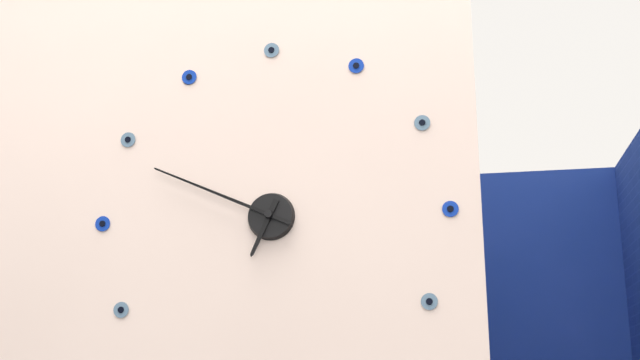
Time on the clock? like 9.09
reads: 6.49
